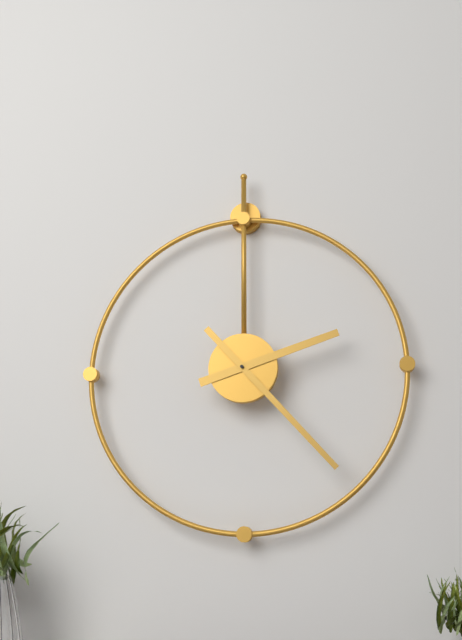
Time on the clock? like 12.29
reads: 2.23
